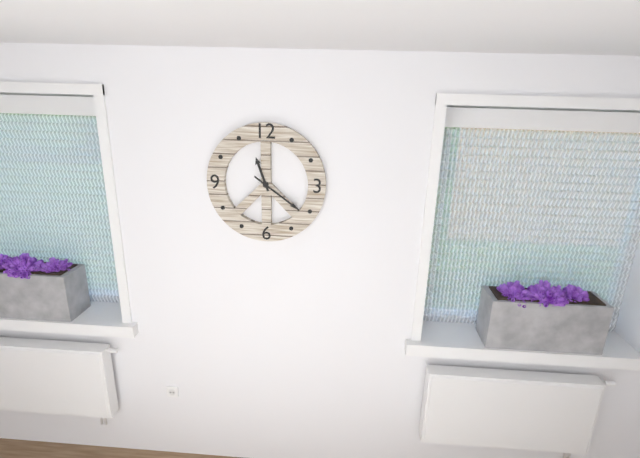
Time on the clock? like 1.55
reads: 11.21
